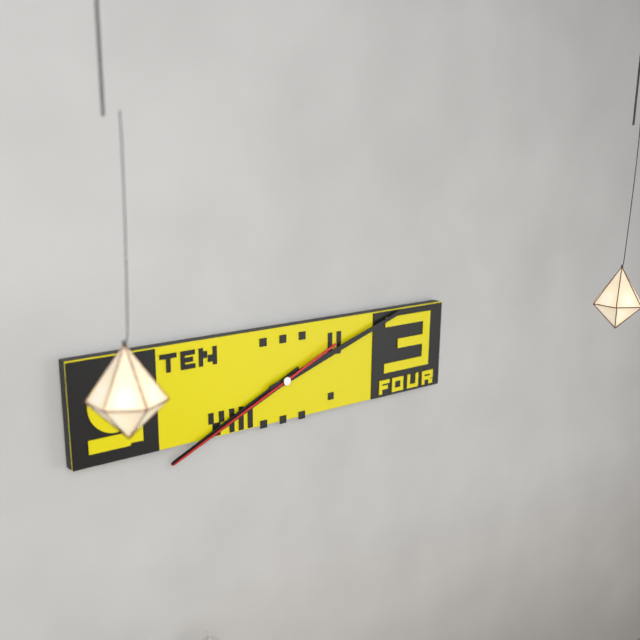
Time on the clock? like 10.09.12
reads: 8.12.41
